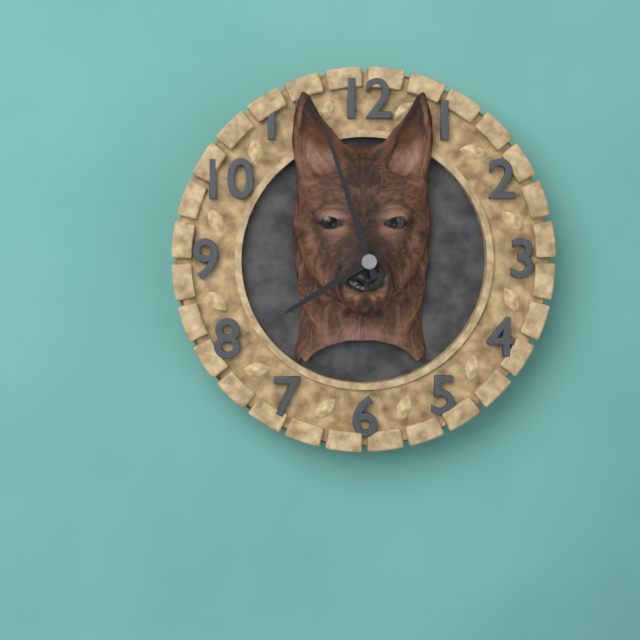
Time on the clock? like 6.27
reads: 7.57
